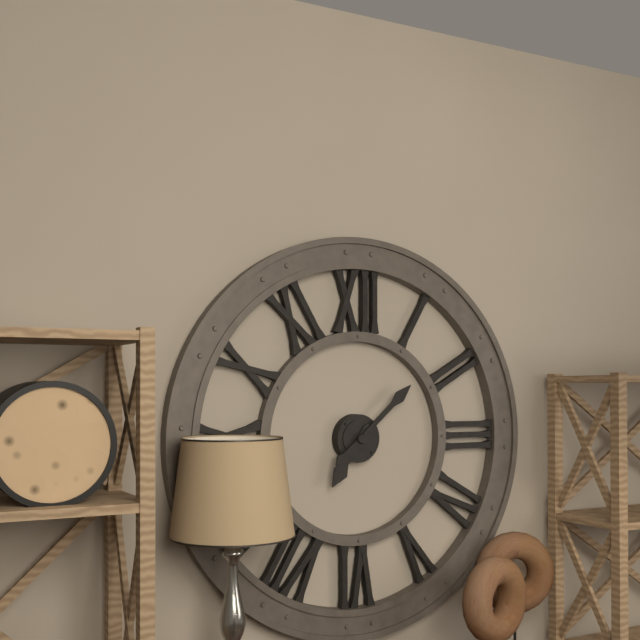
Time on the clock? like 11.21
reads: 7.08
